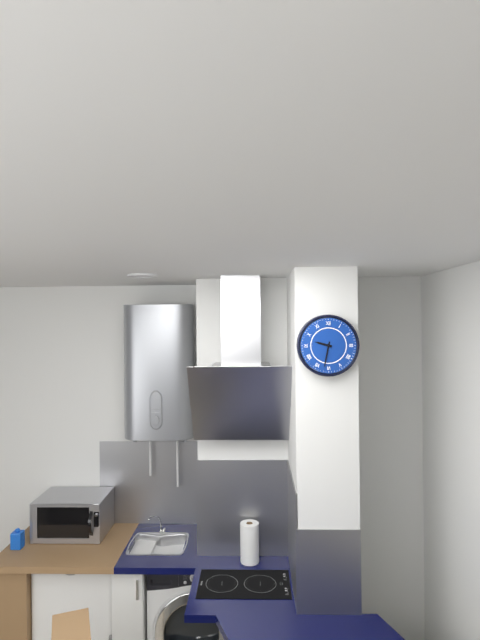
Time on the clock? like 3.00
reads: 9.32
